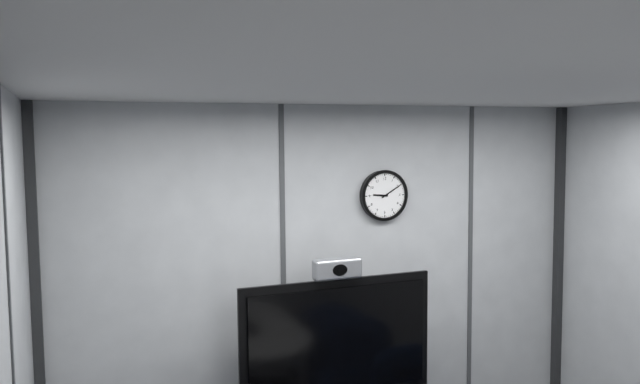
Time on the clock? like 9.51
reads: 9.10
